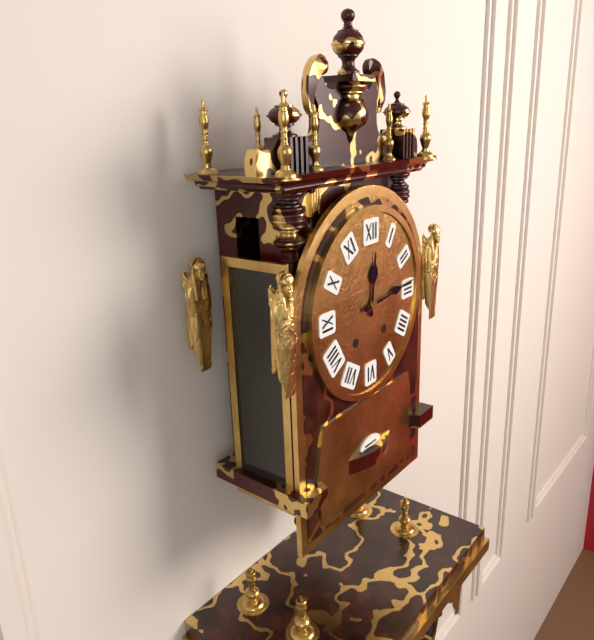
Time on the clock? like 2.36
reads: 12.14
